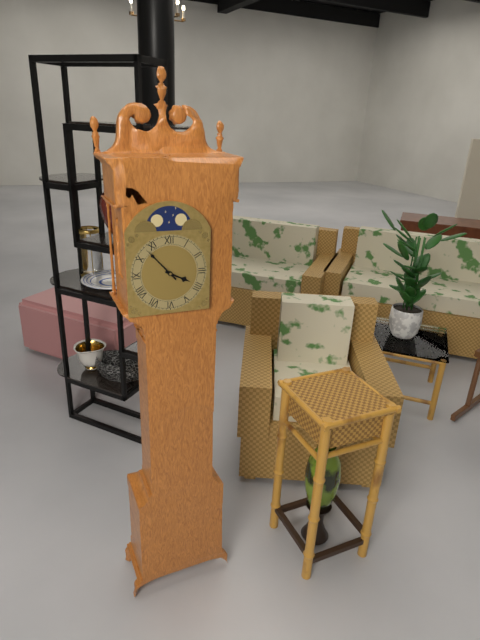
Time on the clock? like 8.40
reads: 3.53
